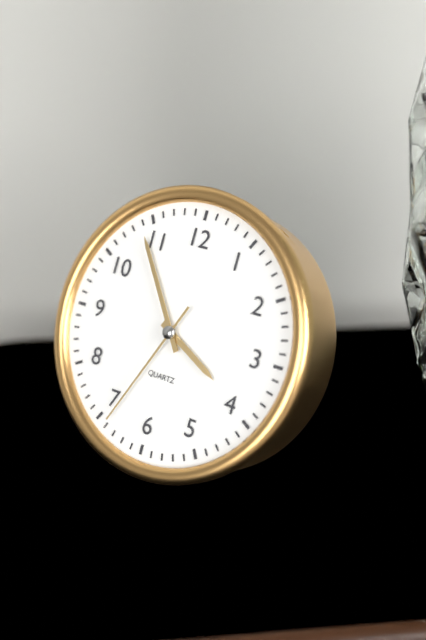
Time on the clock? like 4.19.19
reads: 3.54.34
